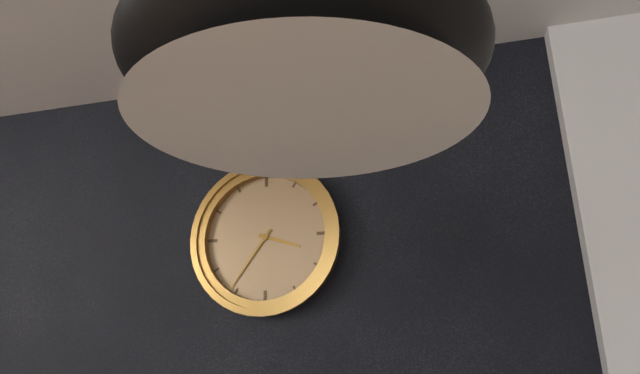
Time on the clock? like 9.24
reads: 3.36
